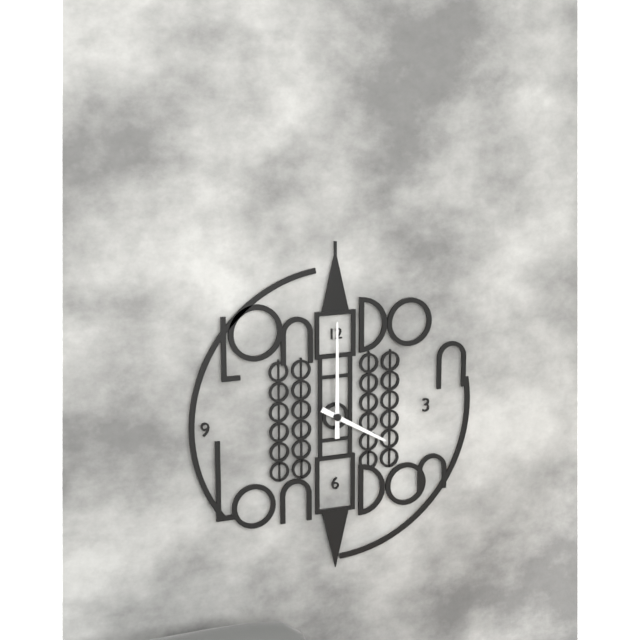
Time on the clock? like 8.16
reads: 4.00
